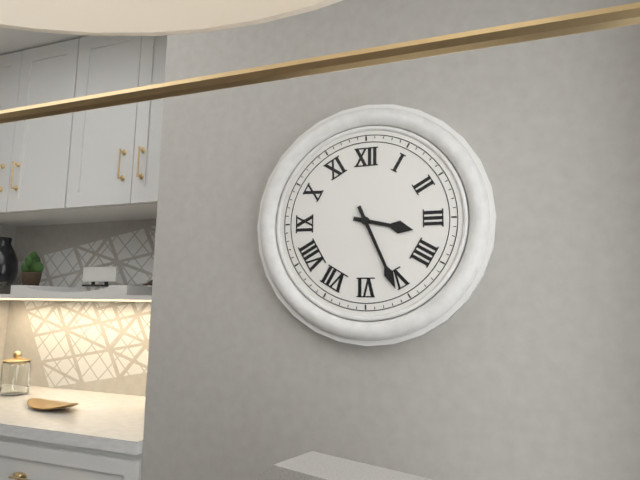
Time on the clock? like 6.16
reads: 3.26
